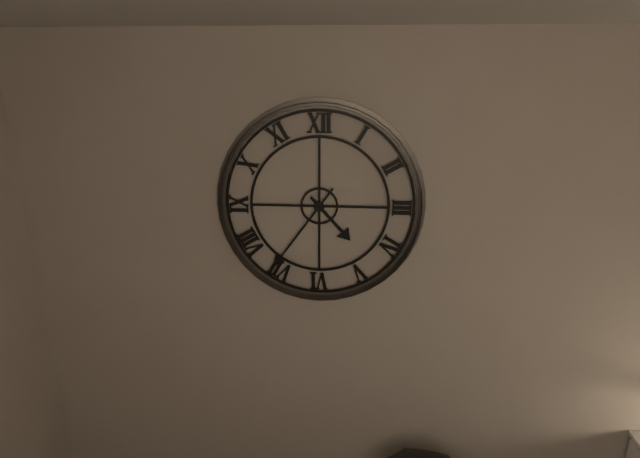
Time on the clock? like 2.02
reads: 4.36
